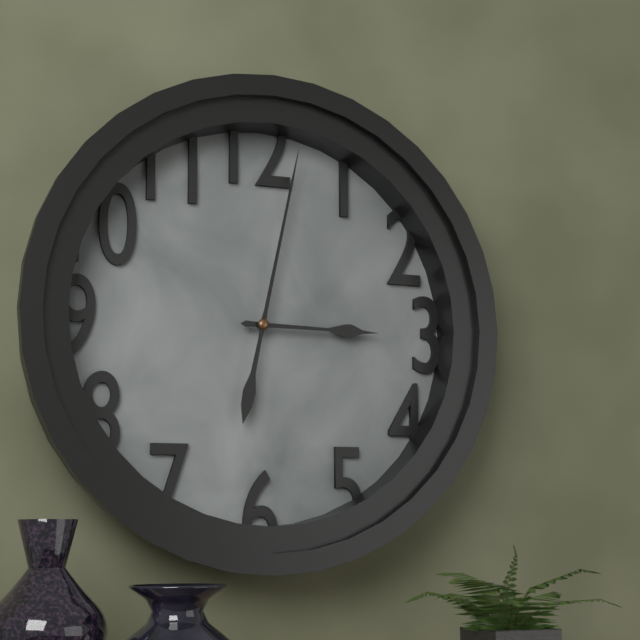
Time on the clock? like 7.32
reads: 3.02
